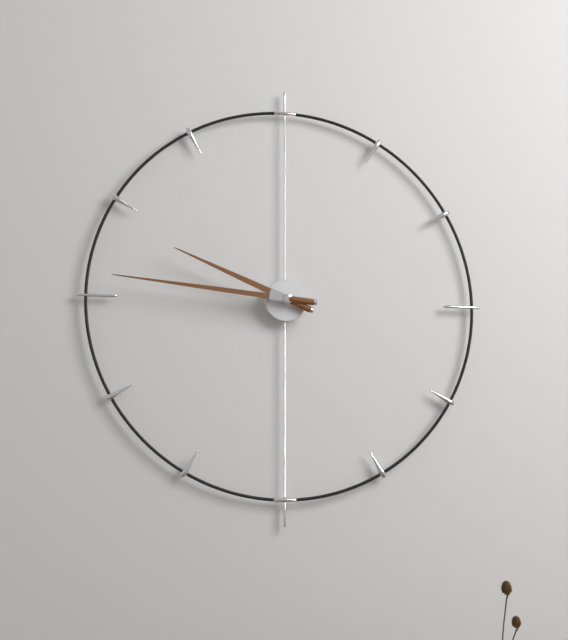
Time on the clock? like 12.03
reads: 9.46
